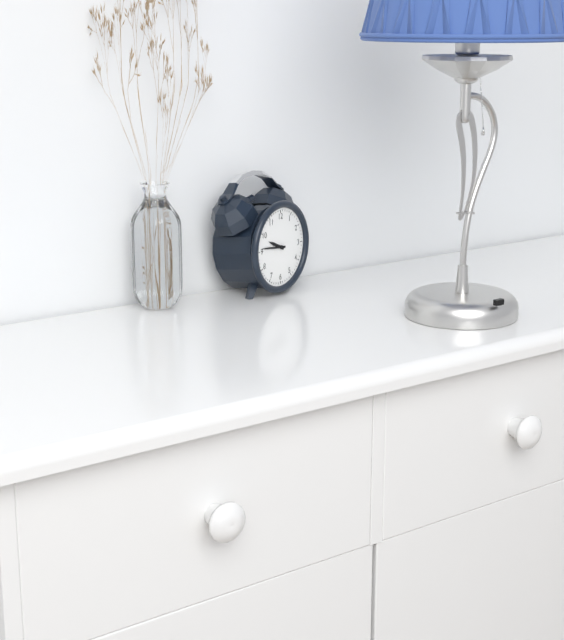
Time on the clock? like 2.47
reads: 9.46
